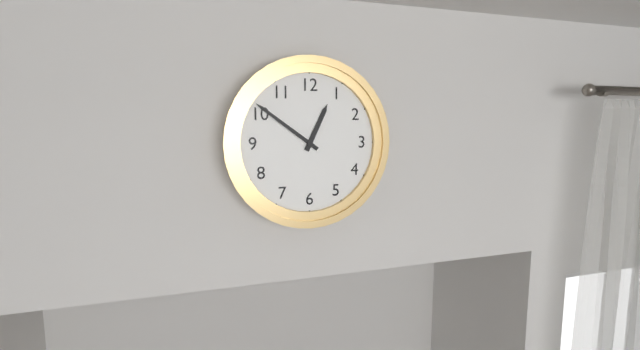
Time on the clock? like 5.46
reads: 12.51
